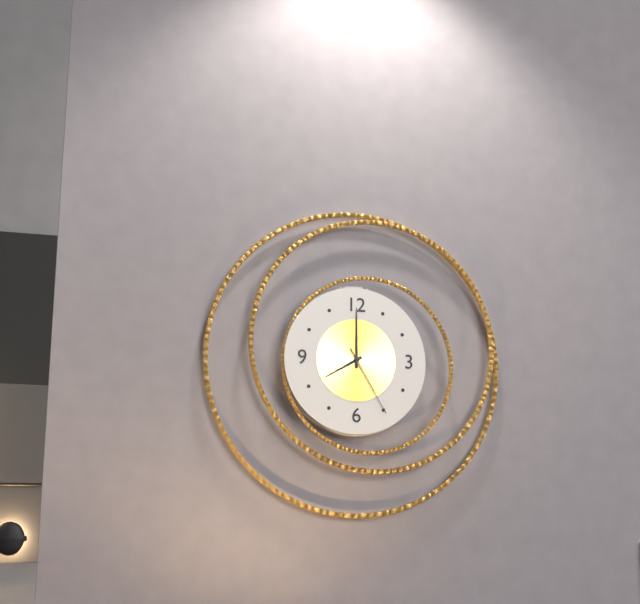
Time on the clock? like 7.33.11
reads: 8.00.25
